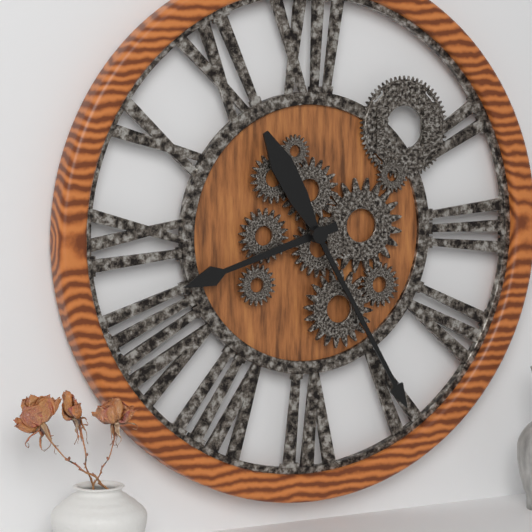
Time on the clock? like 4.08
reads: 8.25
